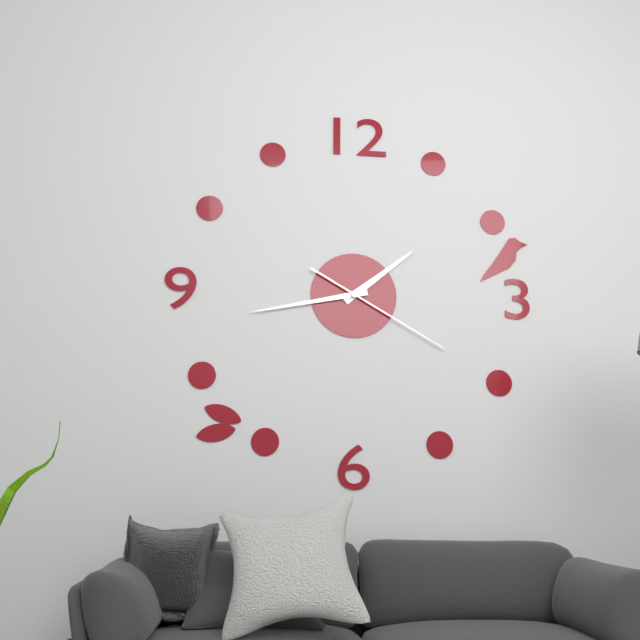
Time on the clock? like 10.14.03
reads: 1.43.20
